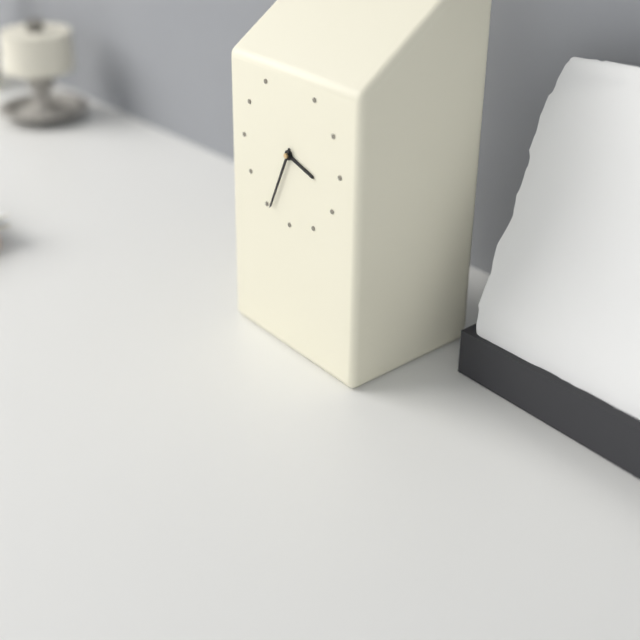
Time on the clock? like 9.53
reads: 3.34
